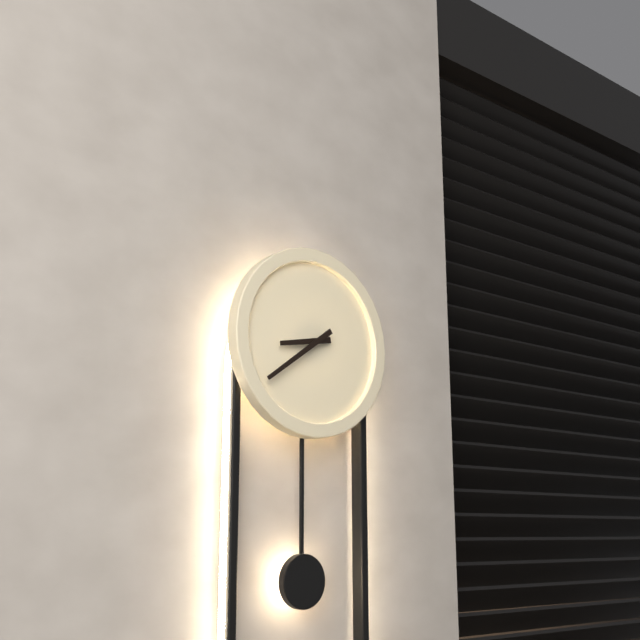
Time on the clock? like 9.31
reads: 8.39
